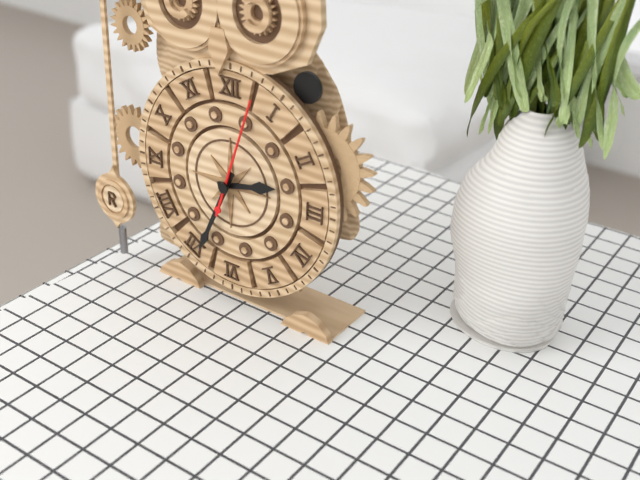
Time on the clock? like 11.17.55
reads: 2.34.03
